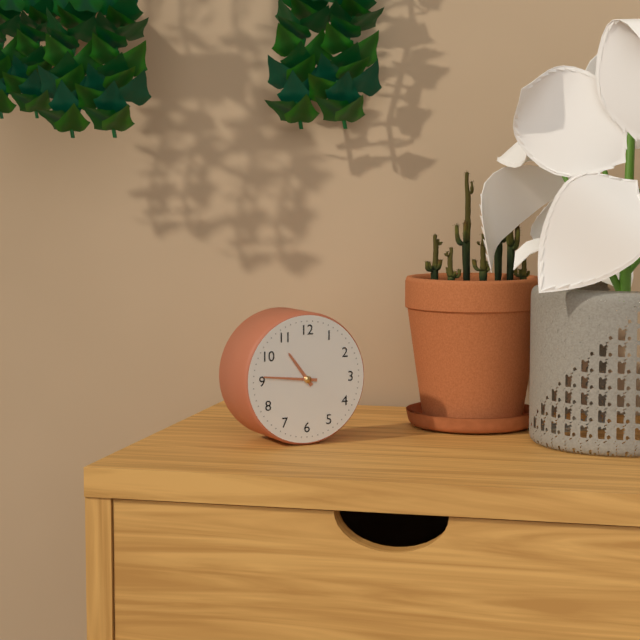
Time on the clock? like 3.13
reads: 10.46
